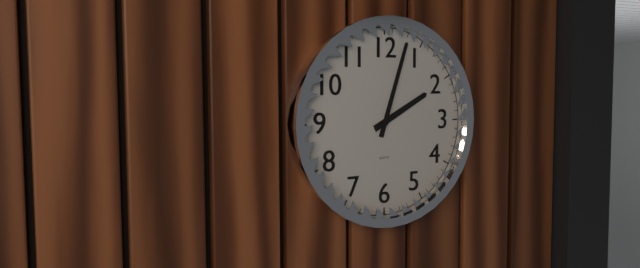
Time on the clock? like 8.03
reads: 2.03
